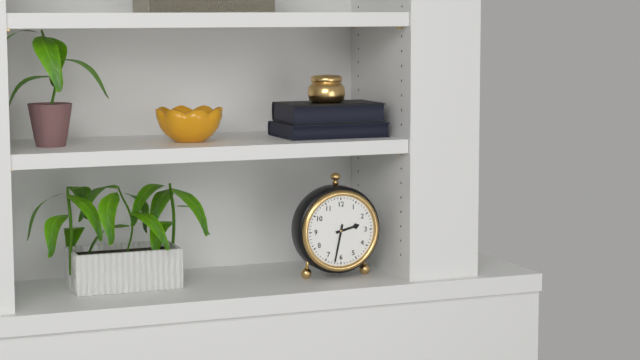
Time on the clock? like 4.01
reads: 2.32
